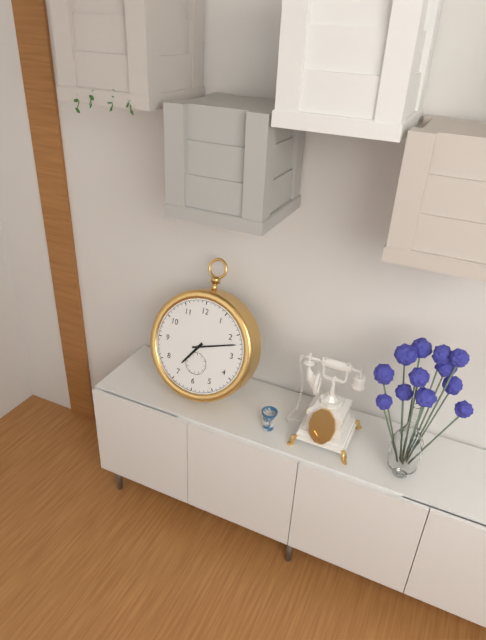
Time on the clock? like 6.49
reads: 7.12
